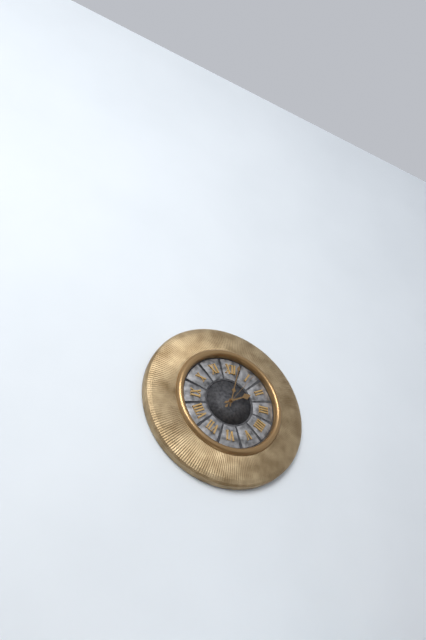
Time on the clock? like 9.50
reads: 2.02
